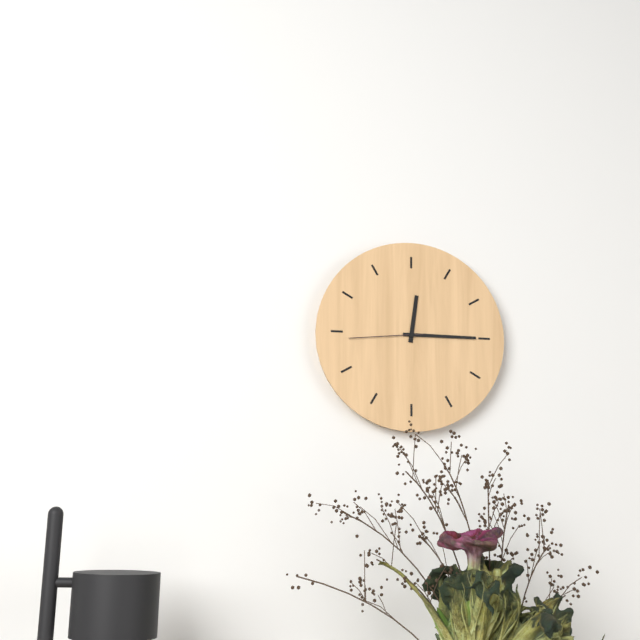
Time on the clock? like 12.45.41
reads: 12.15.44
